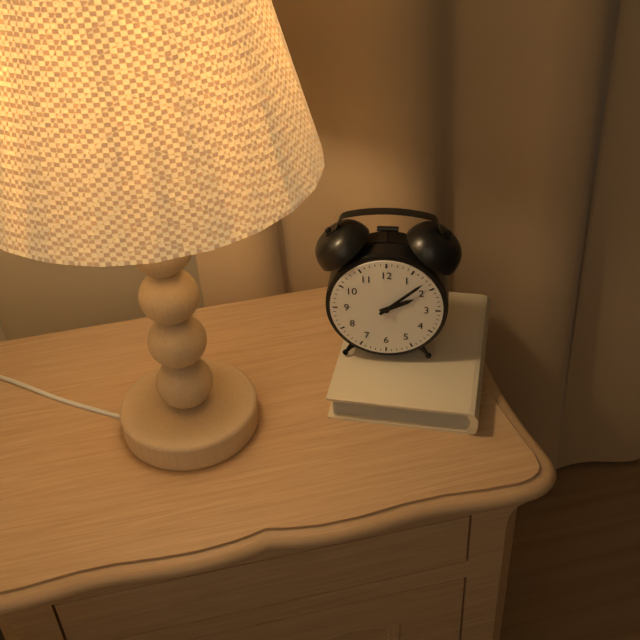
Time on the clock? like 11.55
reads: 2.08
